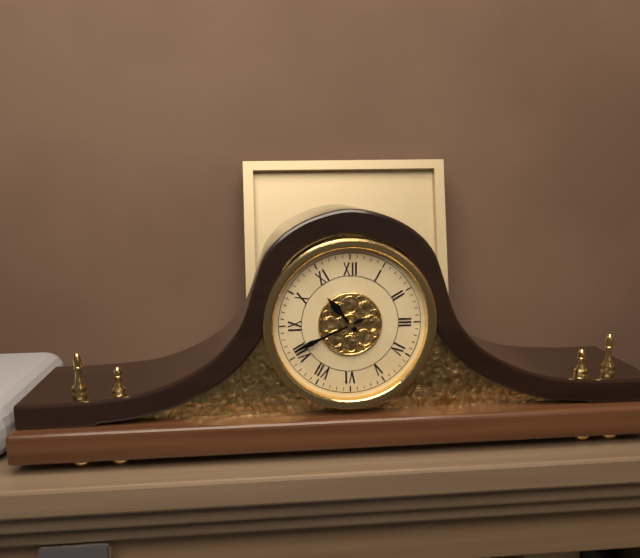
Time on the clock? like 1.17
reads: 10.41
